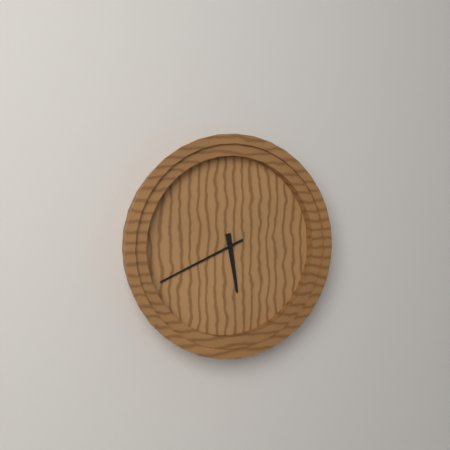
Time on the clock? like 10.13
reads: 5.41
